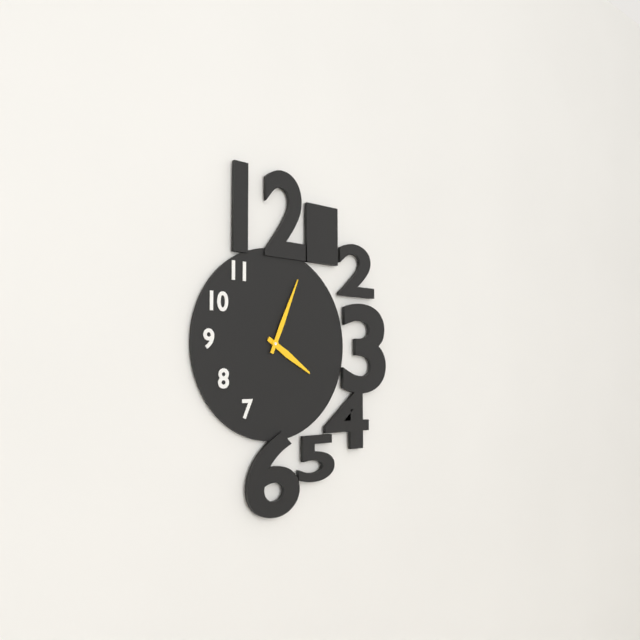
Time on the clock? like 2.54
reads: 4.04
